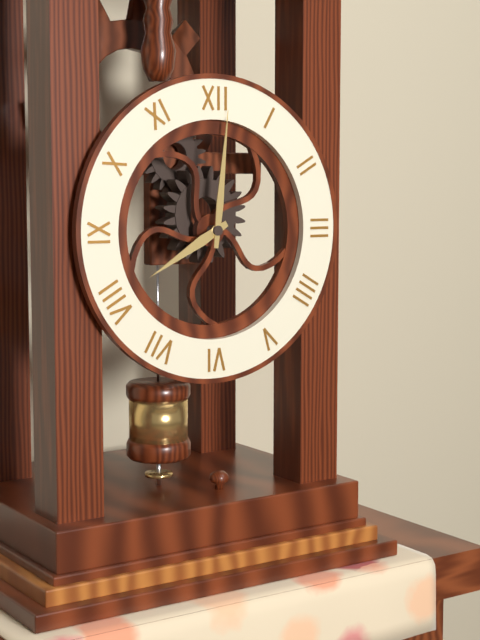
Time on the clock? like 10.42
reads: 8.01
